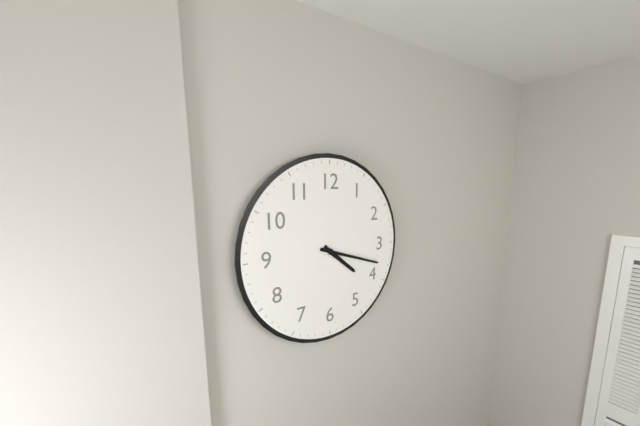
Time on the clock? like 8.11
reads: 4.18
